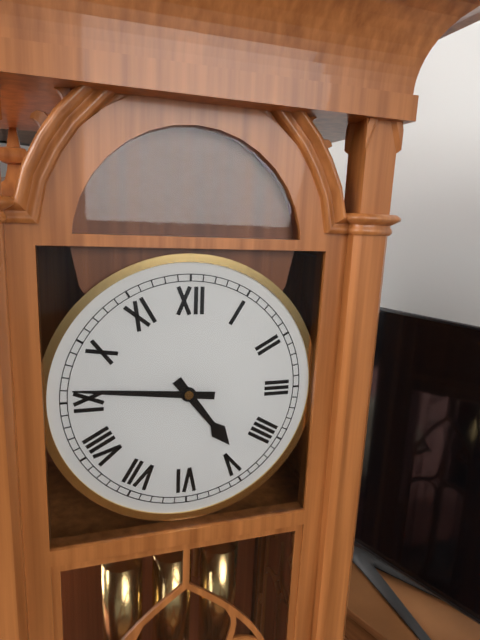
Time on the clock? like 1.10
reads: 4.46
